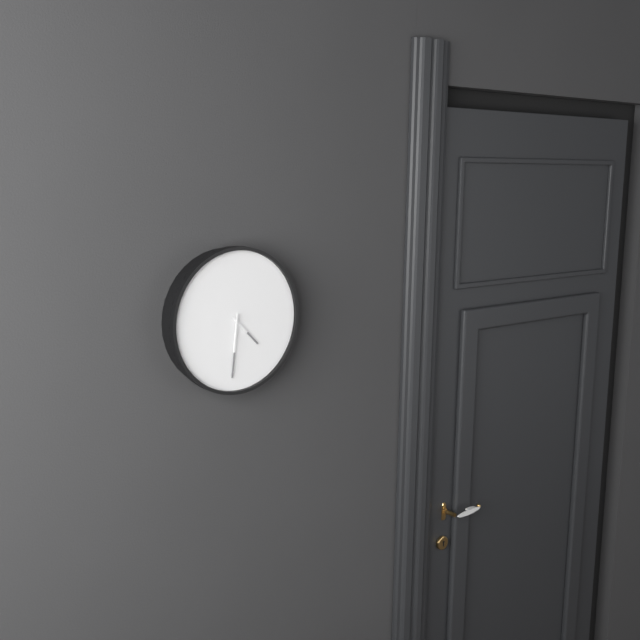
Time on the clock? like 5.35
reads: 4.31
